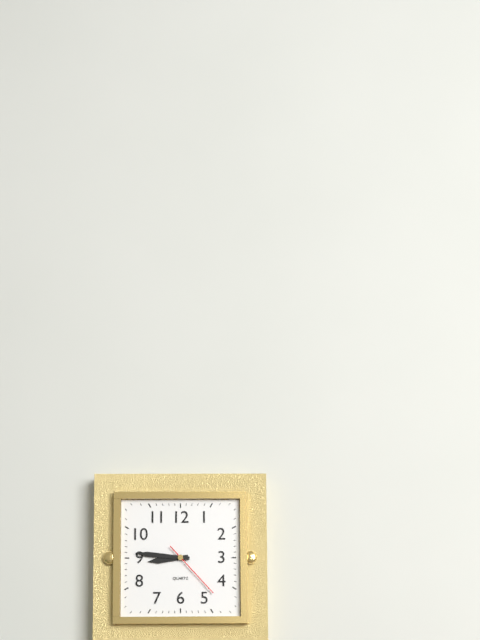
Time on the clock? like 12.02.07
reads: 8.46.23
